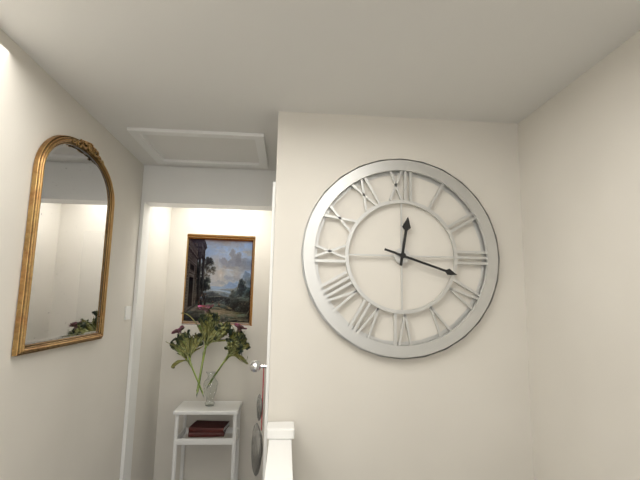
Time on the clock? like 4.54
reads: 12.18
